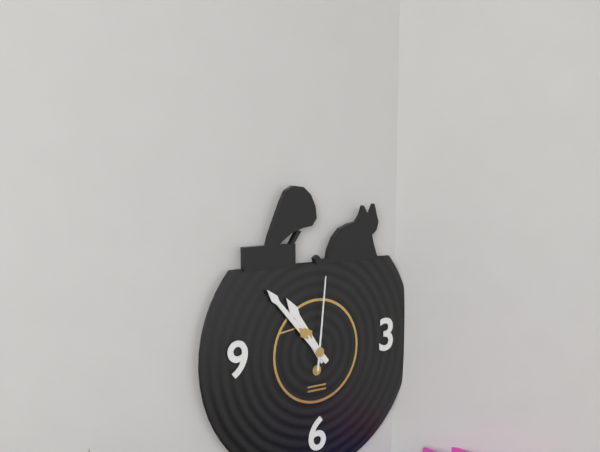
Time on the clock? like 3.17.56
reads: 10.53.01
